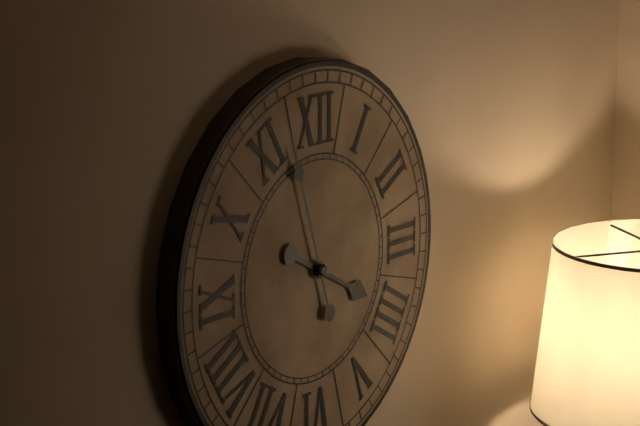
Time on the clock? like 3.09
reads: 3.57
